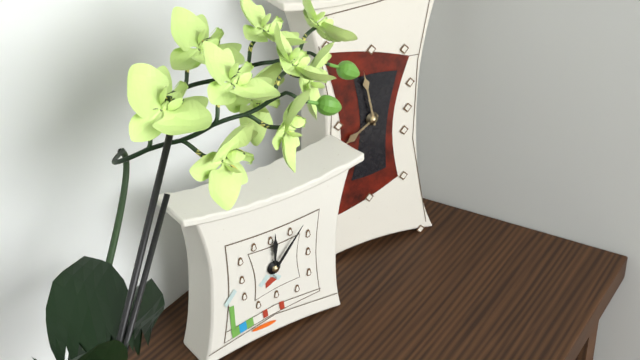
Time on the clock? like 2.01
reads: 7.58
